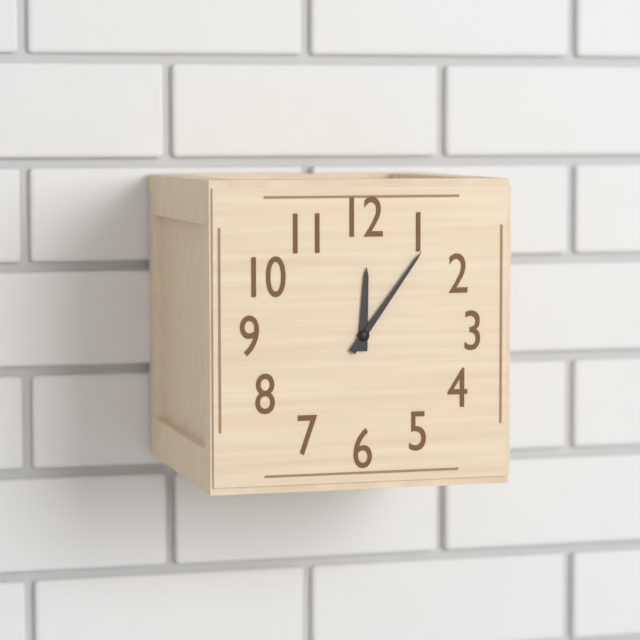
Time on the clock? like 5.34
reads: 12.06
